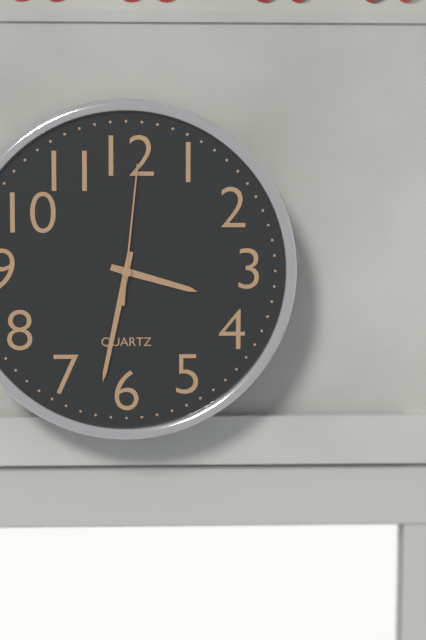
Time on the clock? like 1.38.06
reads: 3.32.01
